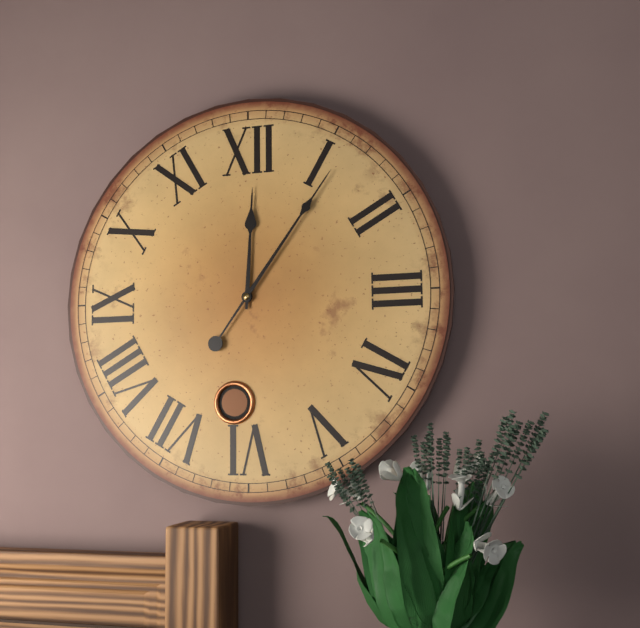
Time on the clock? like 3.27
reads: 12.06
